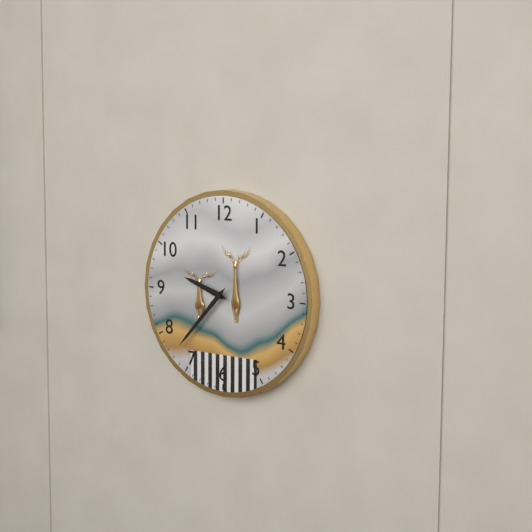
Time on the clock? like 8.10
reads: 9.37
